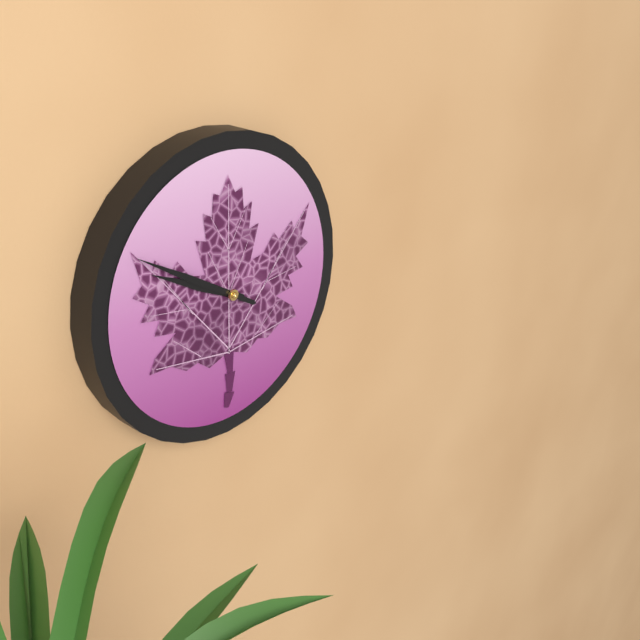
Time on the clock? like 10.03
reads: 9.50
